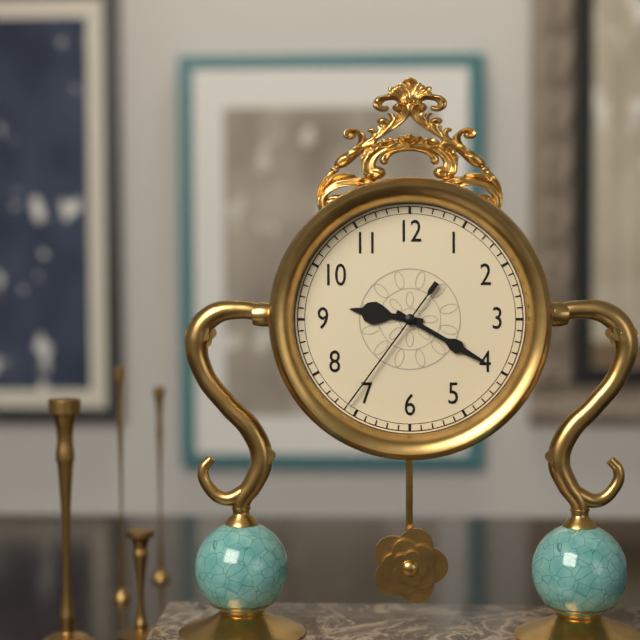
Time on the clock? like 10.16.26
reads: 9.20.36
